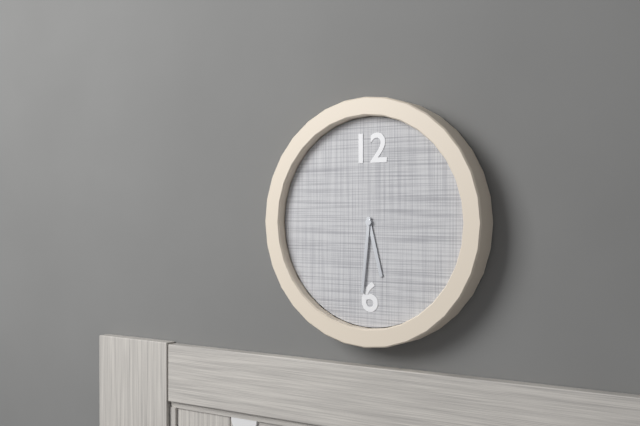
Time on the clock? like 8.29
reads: 5.31
